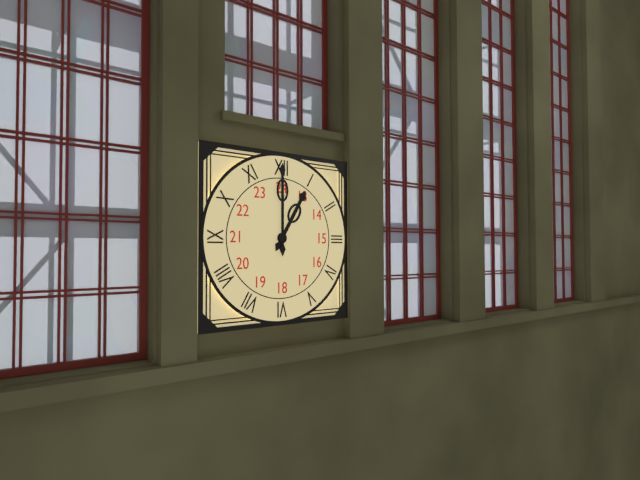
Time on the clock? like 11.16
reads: 1.00
